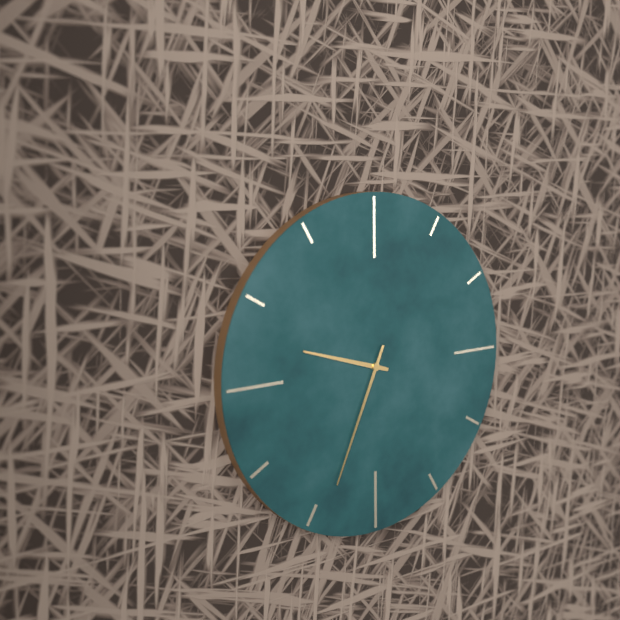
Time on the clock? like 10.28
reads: 9.34
